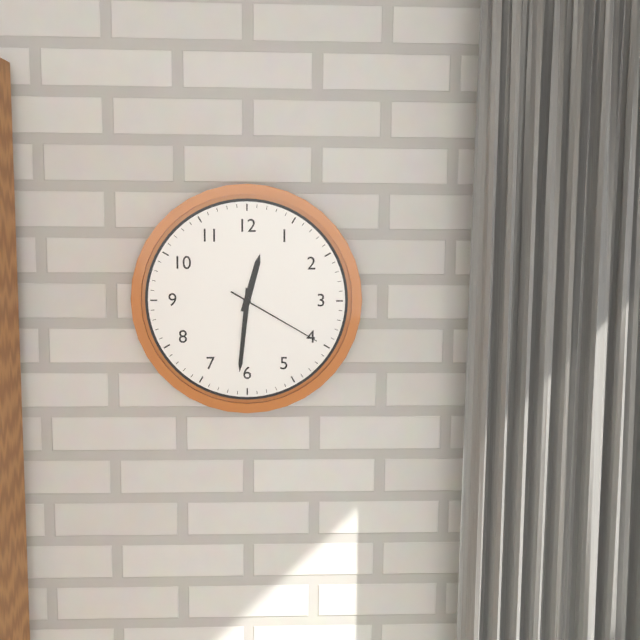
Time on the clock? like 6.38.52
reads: 12.31.20
